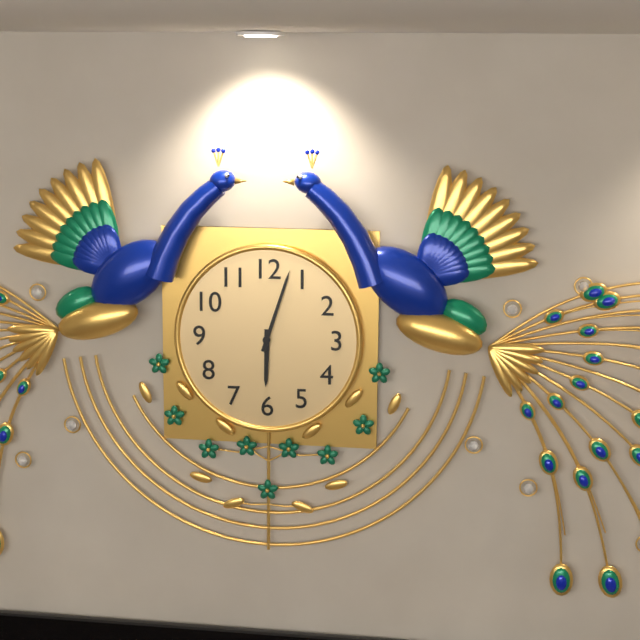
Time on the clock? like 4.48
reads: 6.03
